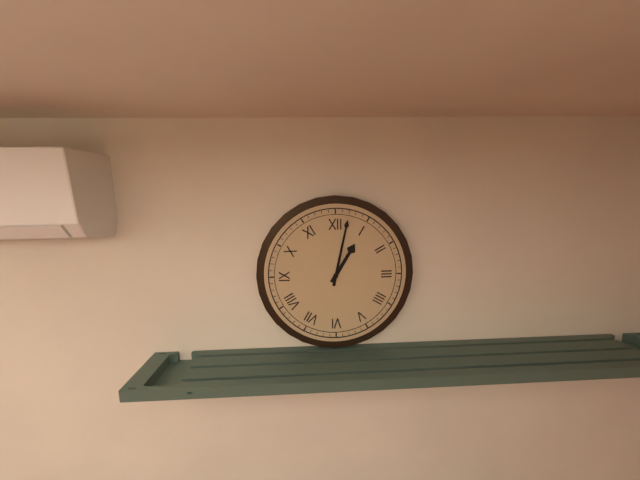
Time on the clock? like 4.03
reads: 1.02
